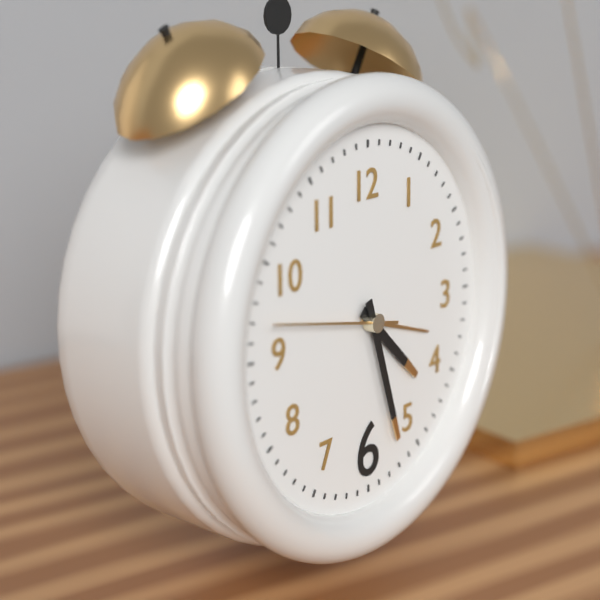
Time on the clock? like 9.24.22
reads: 4.27.47
